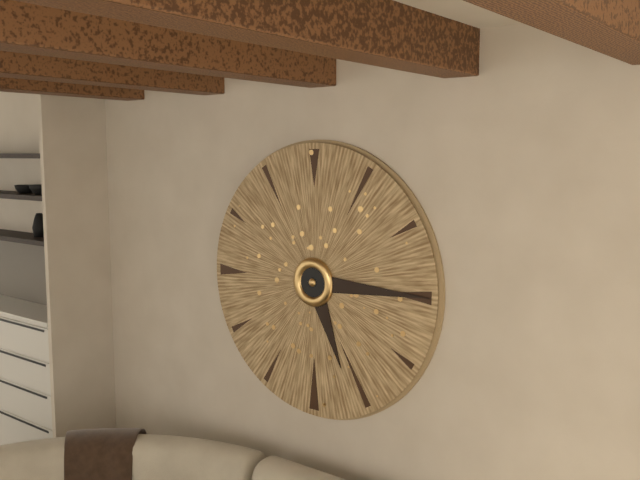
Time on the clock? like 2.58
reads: 5.15
